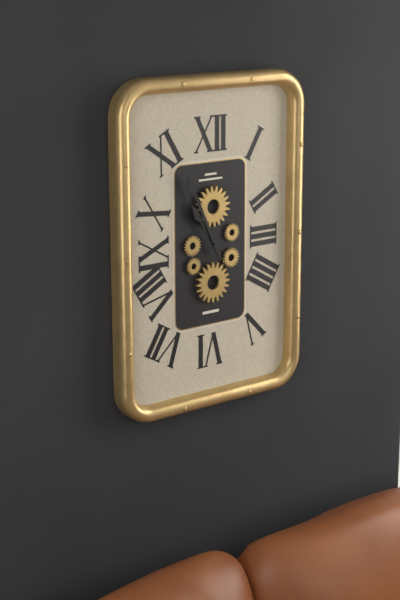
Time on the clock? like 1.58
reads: 10.56
